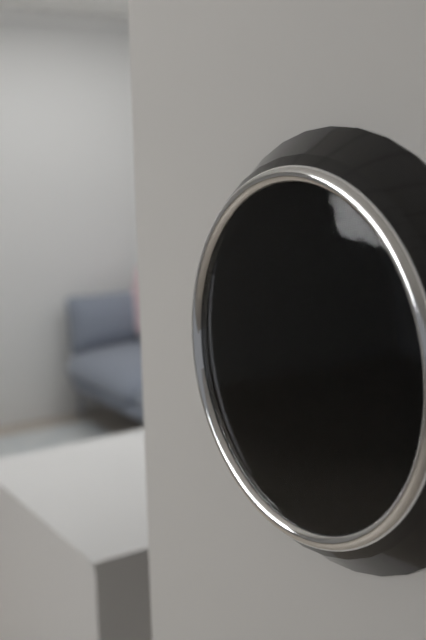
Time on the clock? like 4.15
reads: 8.29
